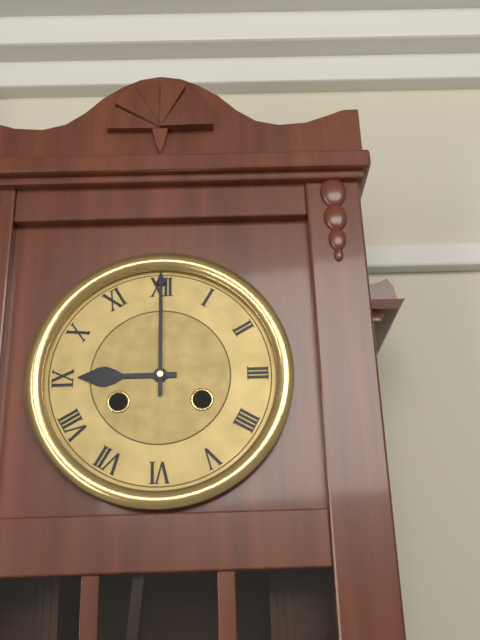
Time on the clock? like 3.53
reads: 9.00
